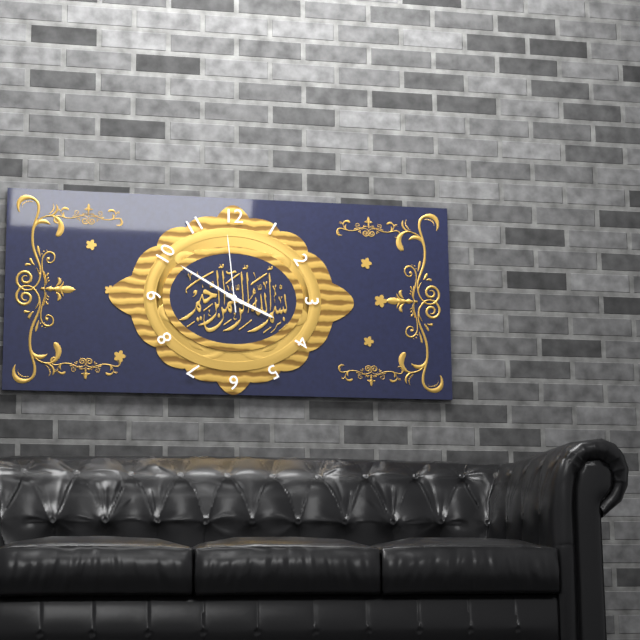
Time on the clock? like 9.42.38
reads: 3.50.59
